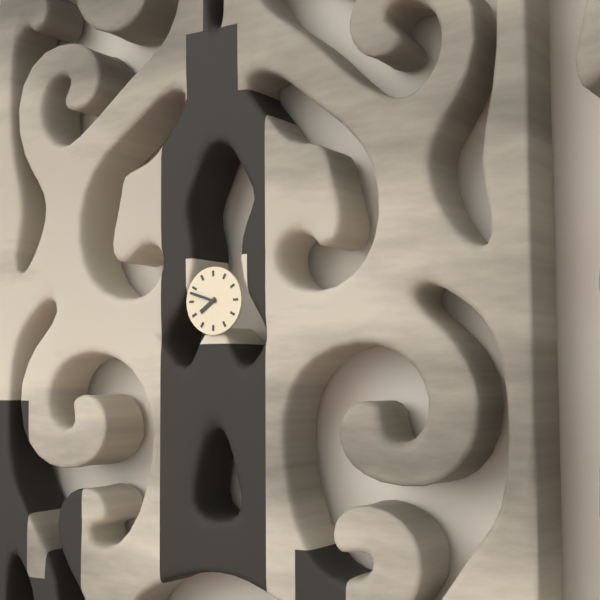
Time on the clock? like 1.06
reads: 7.48
